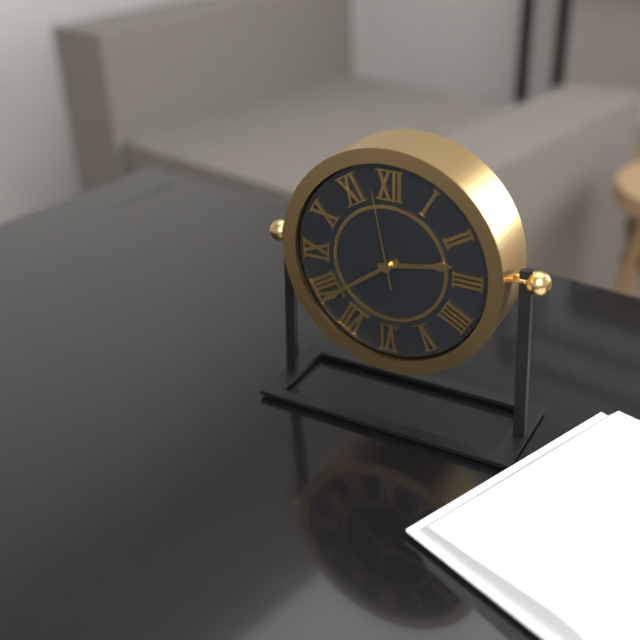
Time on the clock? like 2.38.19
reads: 2.39.58
